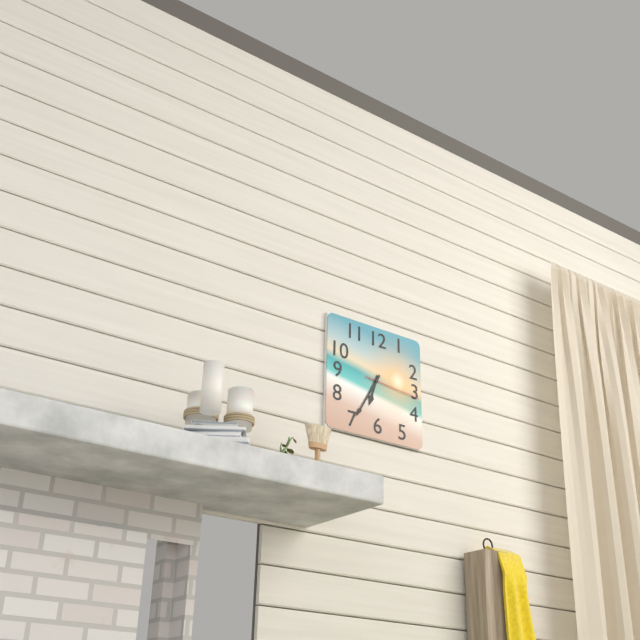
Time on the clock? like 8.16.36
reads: 6.35.16
